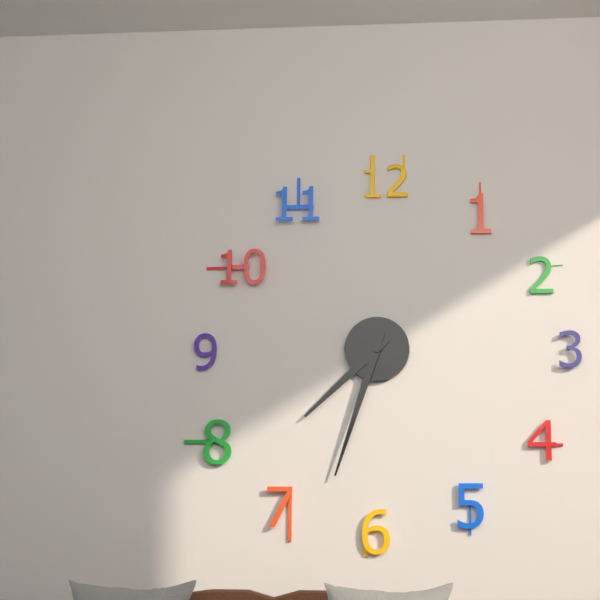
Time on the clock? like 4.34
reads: 7.33
